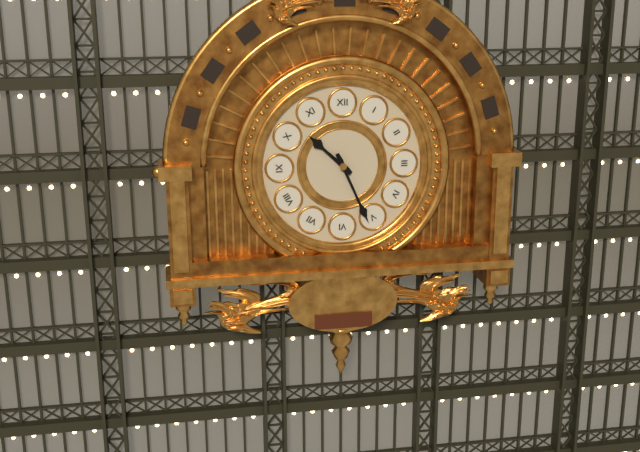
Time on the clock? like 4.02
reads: 10.26
